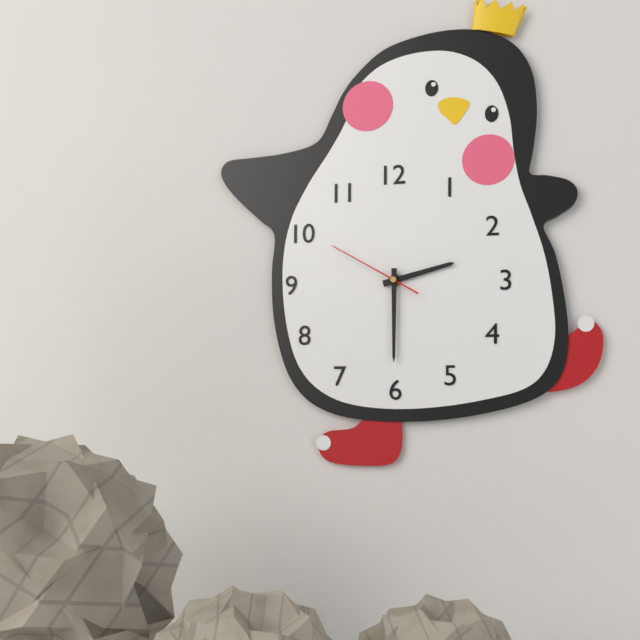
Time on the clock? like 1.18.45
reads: 2.30.50
